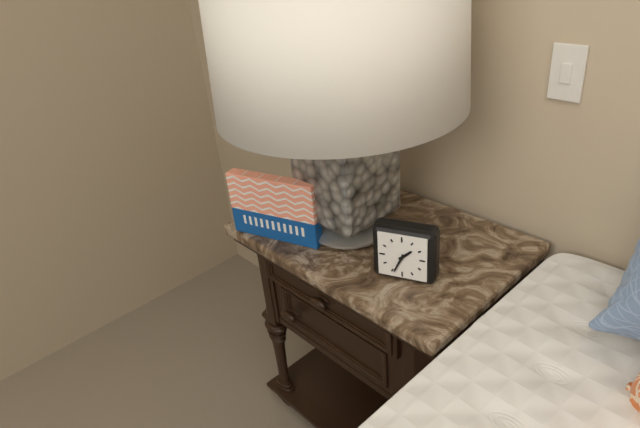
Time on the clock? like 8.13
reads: 1.34
